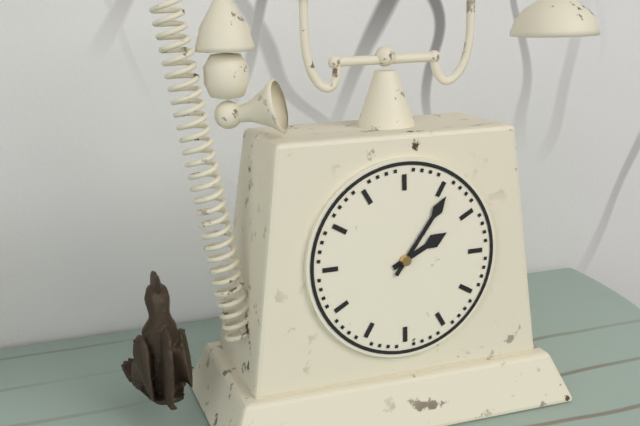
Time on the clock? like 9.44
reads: 2.06
